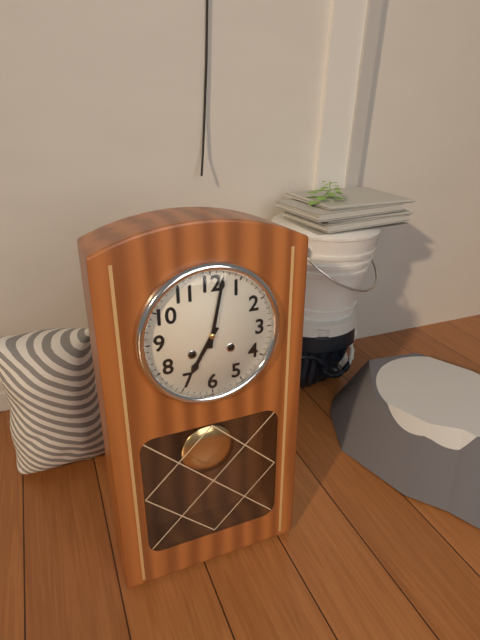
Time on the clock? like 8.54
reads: 7.02
